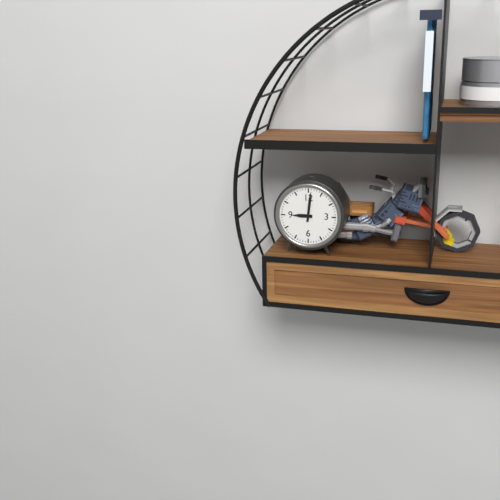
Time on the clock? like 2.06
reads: 9.01
